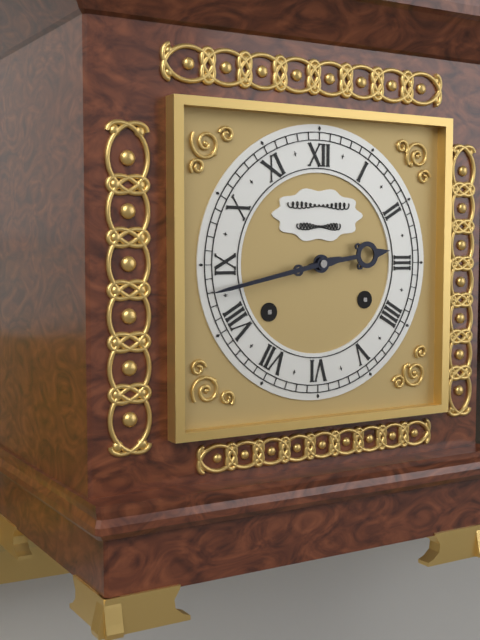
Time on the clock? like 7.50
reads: 2.43
